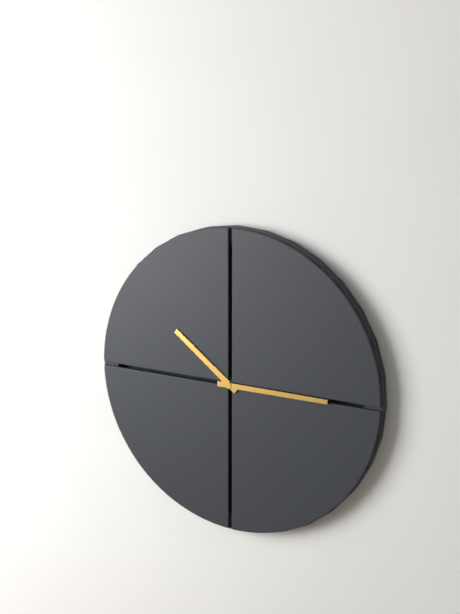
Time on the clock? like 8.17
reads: 10.15
